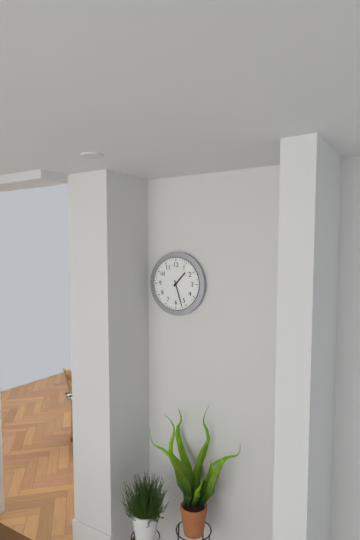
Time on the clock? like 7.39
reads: 1.27
